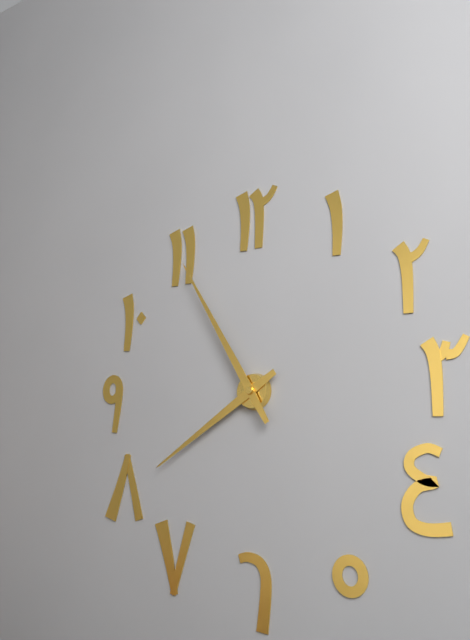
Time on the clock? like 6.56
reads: 7.55
